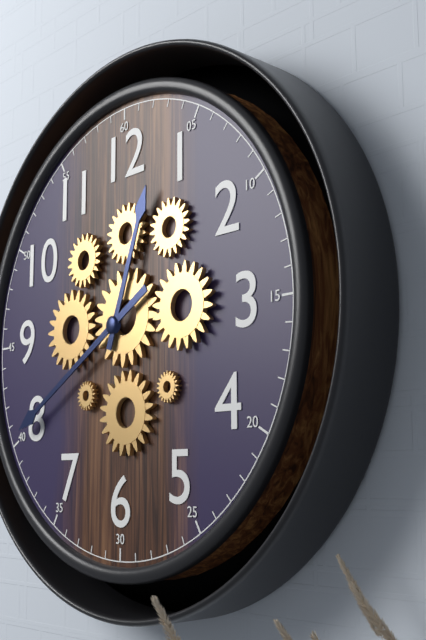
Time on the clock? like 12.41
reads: 12.40
